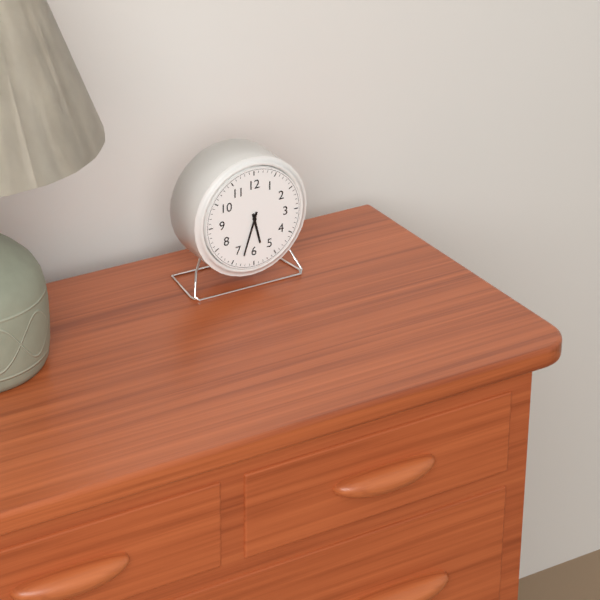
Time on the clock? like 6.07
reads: 5.33
